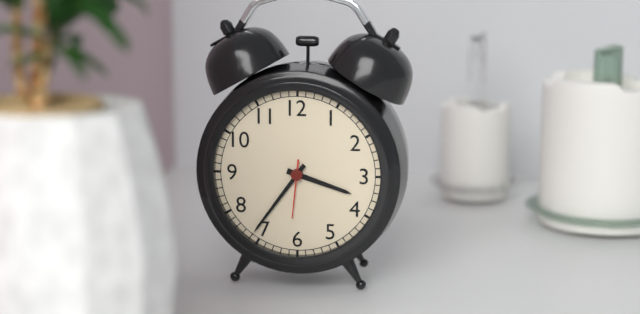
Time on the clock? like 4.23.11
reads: 3.36.31
